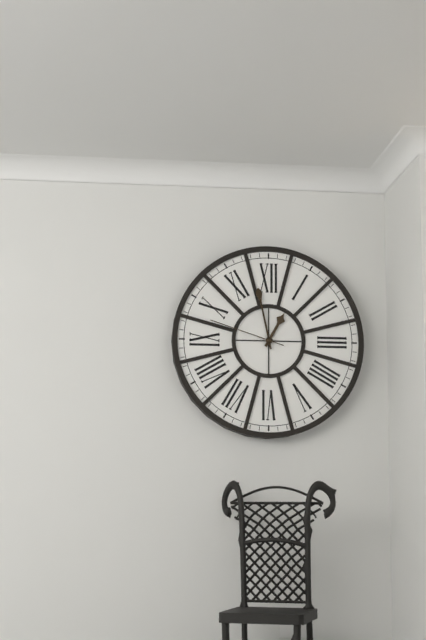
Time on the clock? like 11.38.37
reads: 12.58.48
